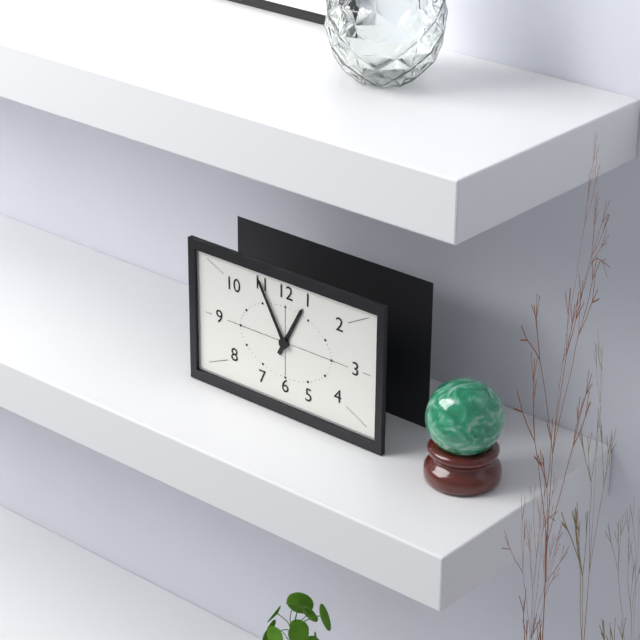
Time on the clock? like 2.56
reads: 12.55
